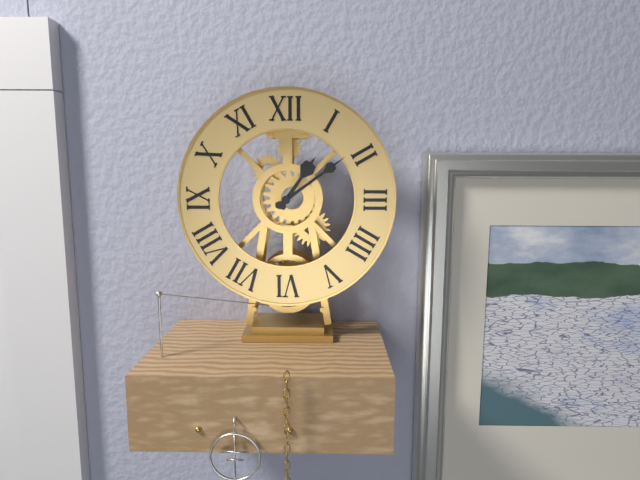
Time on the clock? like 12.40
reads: 1.09
